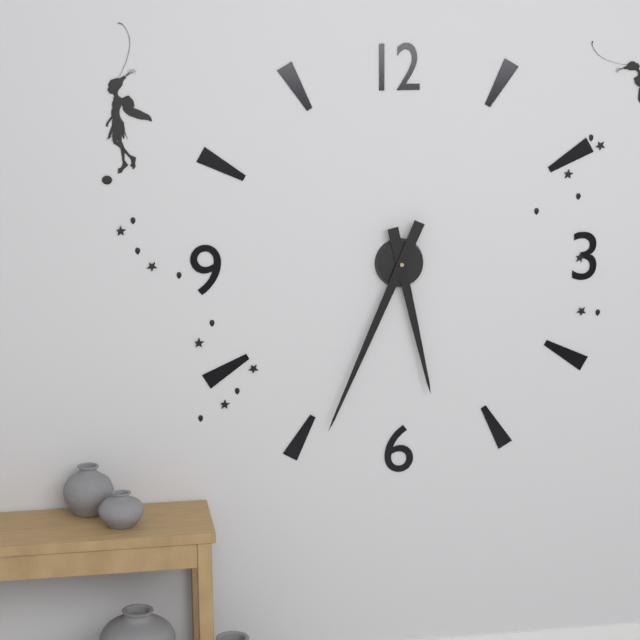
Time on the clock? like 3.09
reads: 5.34
